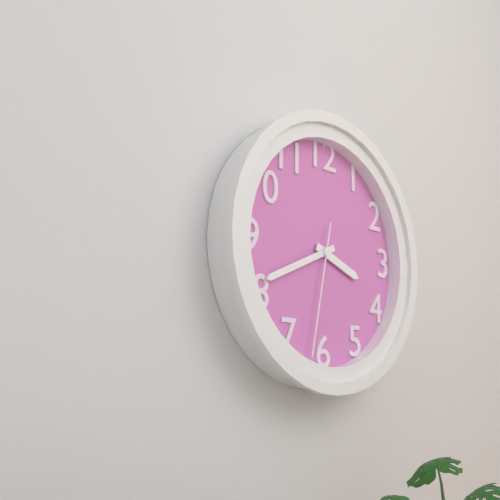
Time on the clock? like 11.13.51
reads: 3.41.32
